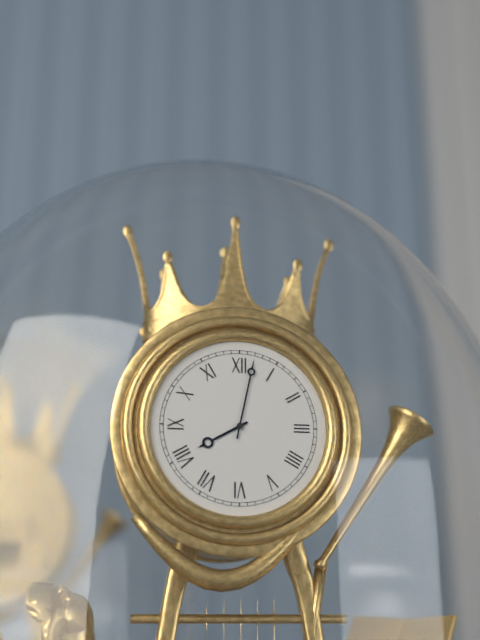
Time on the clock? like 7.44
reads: 8.02
